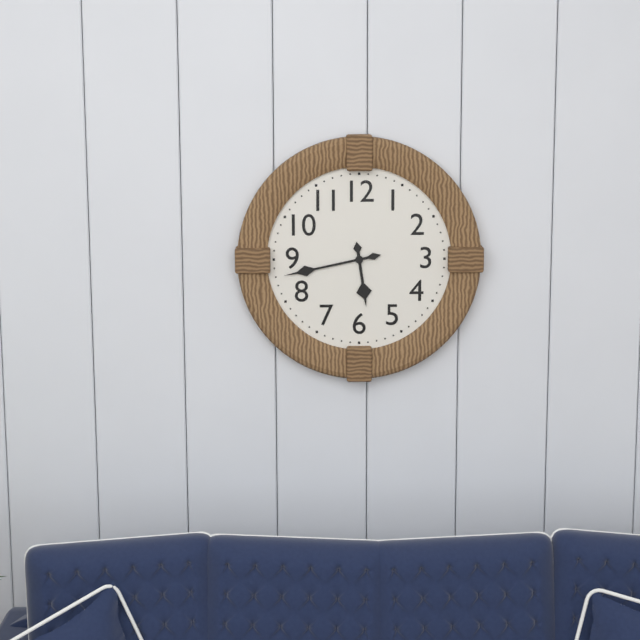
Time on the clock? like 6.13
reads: 5.43
